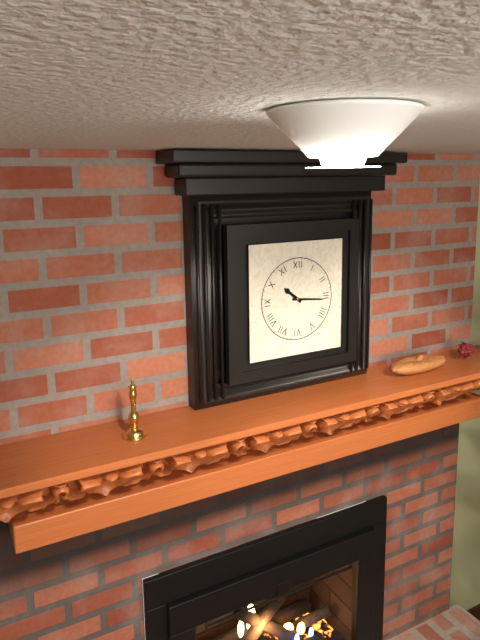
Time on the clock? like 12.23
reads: 10.16
